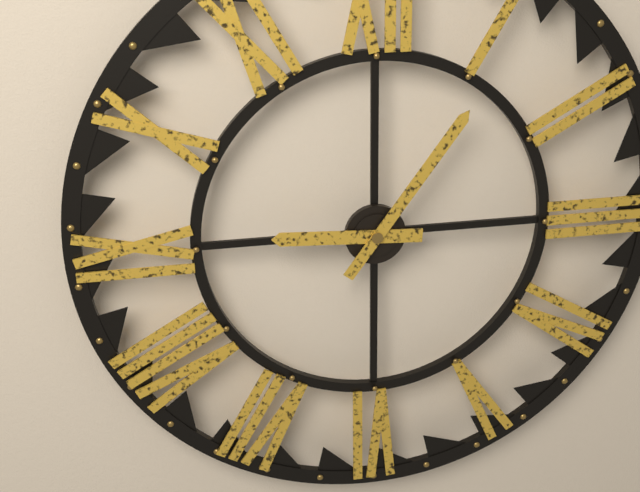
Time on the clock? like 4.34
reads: 9.06
